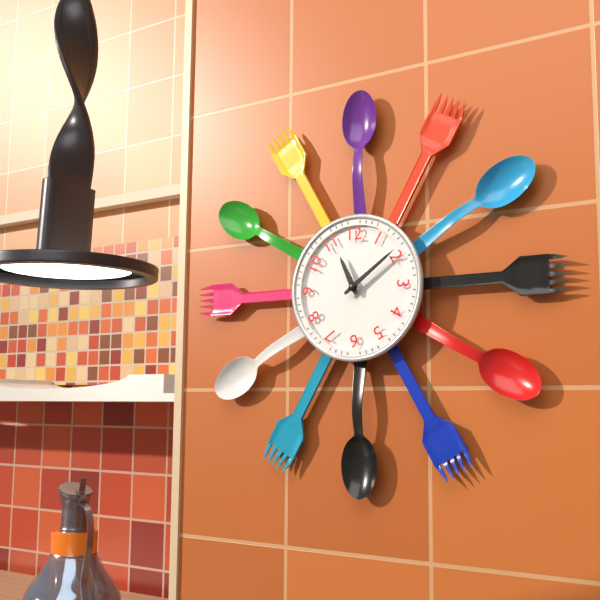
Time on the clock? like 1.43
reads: 11.09
